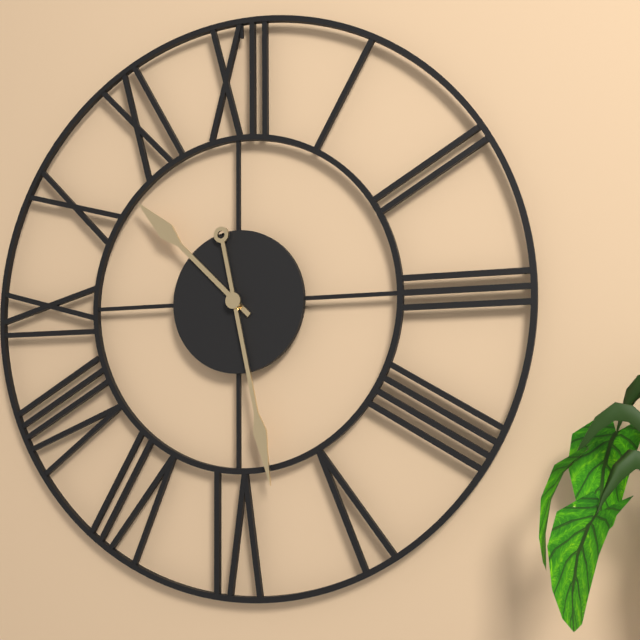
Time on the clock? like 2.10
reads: 10.28
